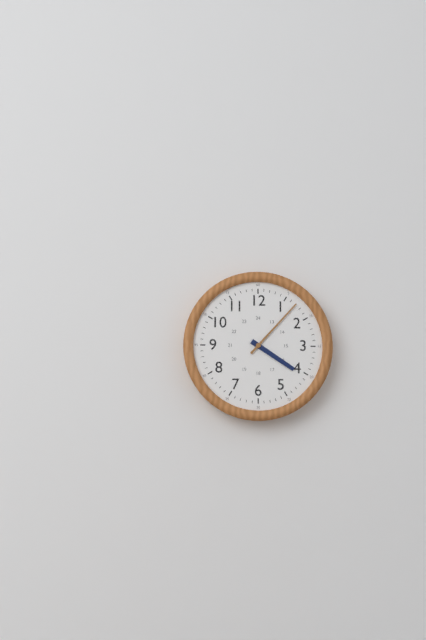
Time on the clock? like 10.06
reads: 4.07
